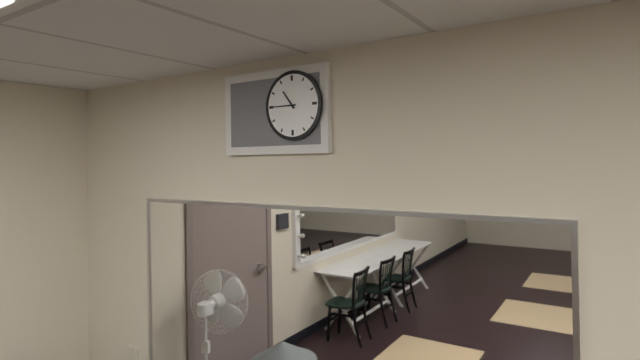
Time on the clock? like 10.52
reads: 10.45
